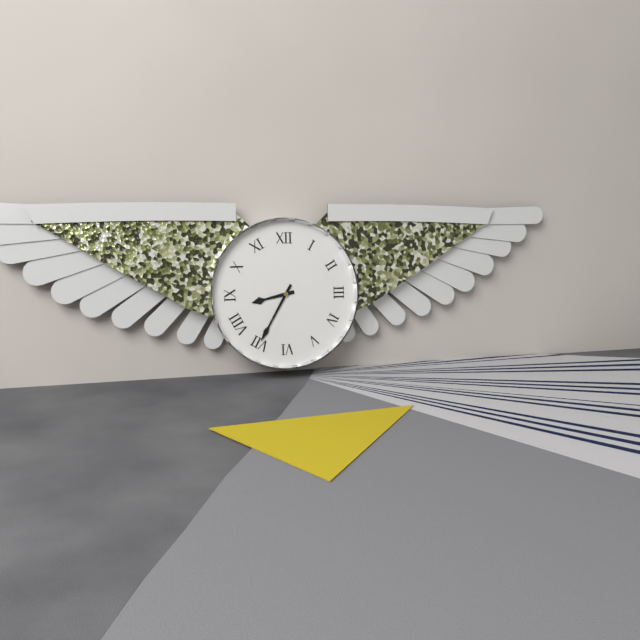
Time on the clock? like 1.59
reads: 8.35
